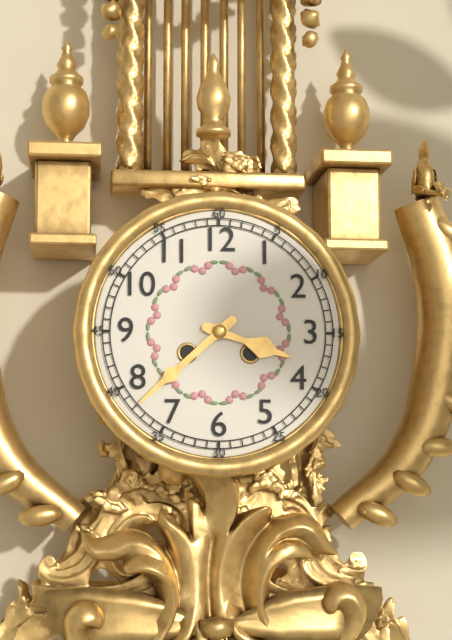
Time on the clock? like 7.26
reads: 3.38
